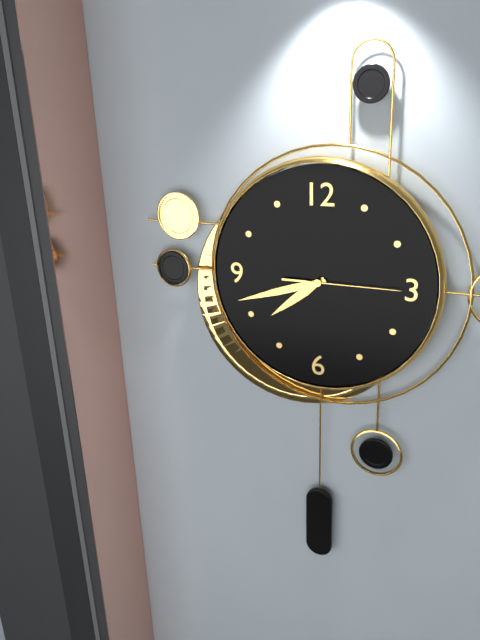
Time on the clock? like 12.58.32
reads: 7.42.15
